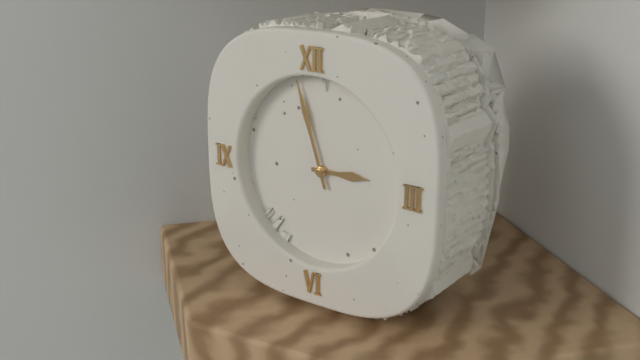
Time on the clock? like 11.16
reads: 2.57
